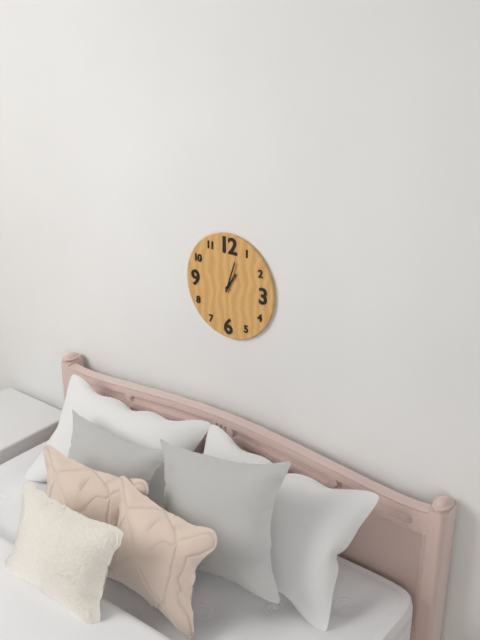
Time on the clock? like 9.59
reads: 1.03
